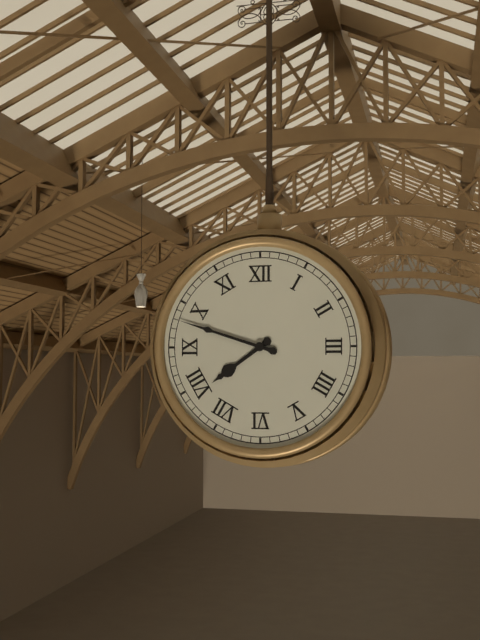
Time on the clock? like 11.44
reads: 7.48
